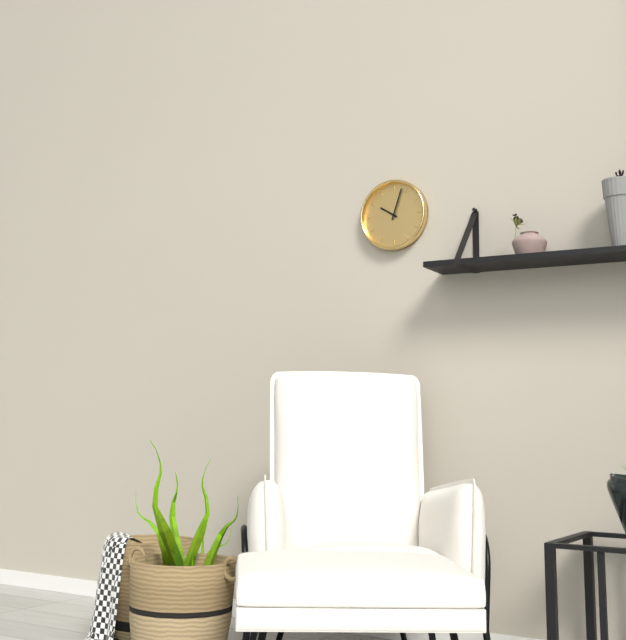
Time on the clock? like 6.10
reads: 10.03
